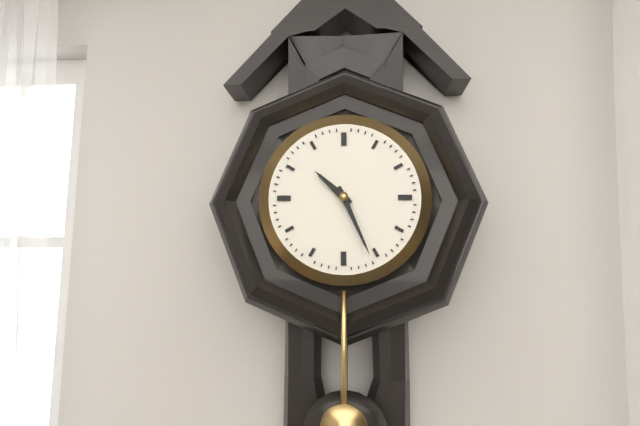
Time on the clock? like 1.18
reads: 10.26
